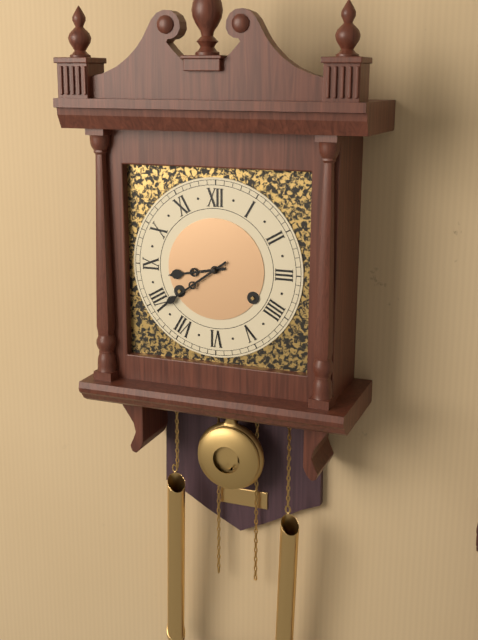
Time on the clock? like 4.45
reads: 8.39
